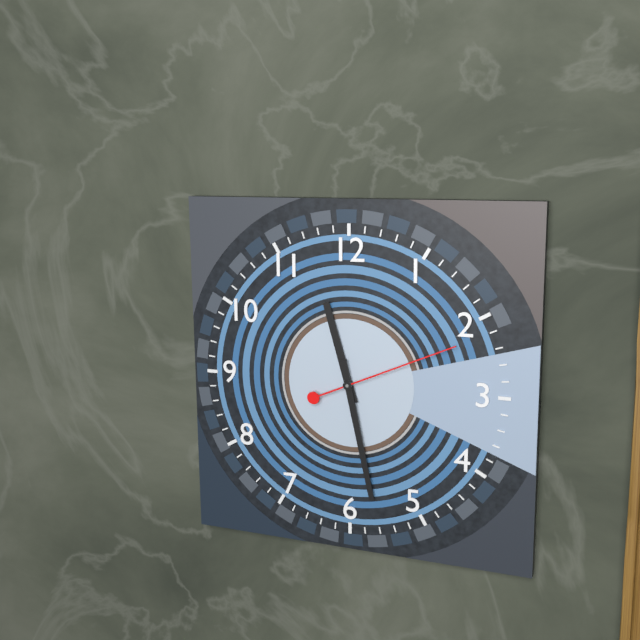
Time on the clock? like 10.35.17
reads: 11.28.11
